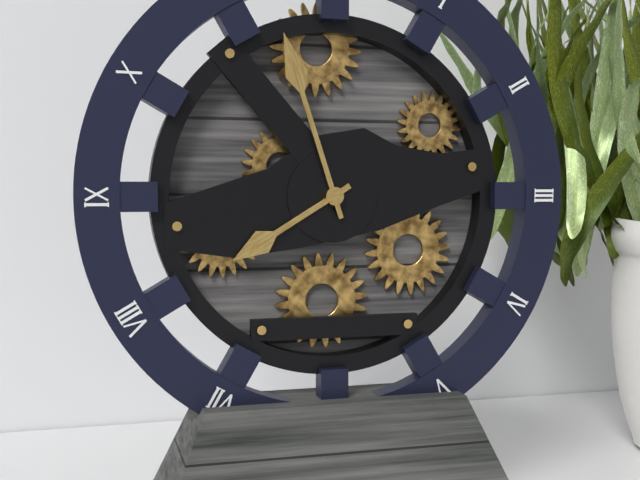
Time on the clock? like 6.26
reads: 7.57
